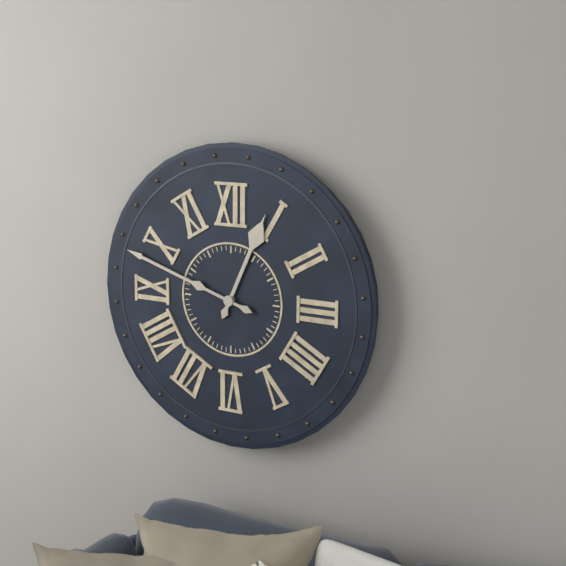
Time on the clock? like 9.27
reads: 12.48
